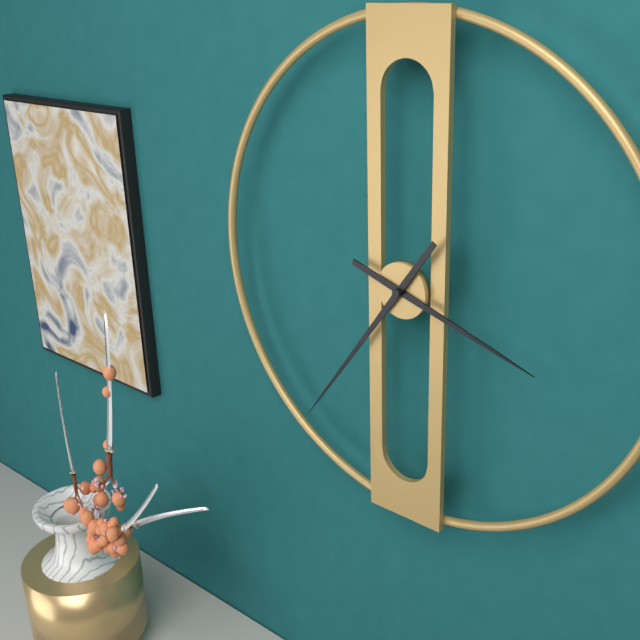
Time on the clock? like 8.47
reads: 3.36
